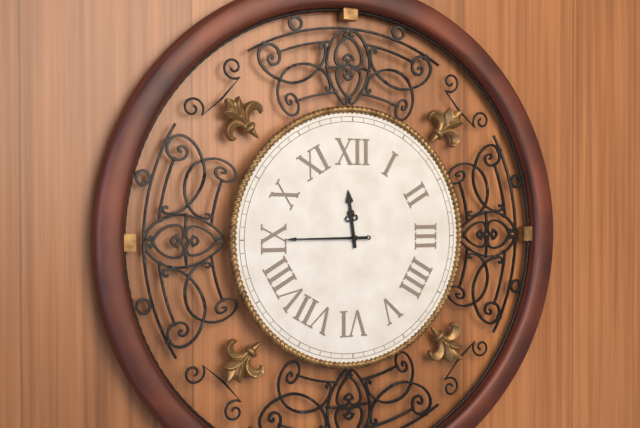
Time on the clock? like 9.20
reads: 11.45
